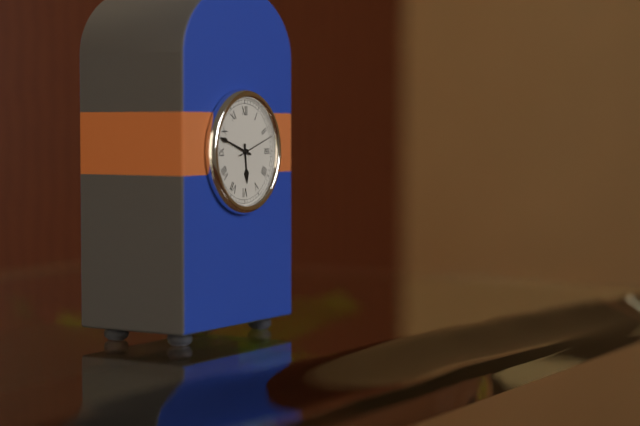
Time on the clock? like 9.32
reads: 5.48
